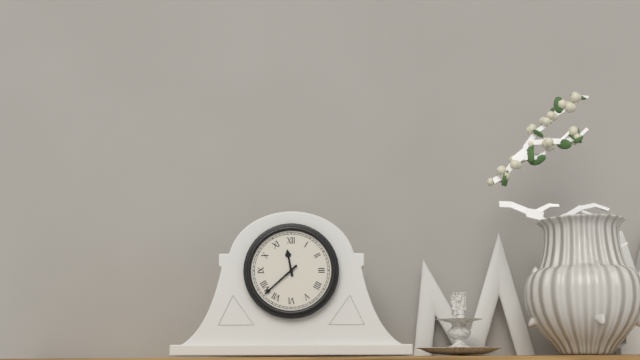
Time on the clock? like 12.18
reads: 11.38
